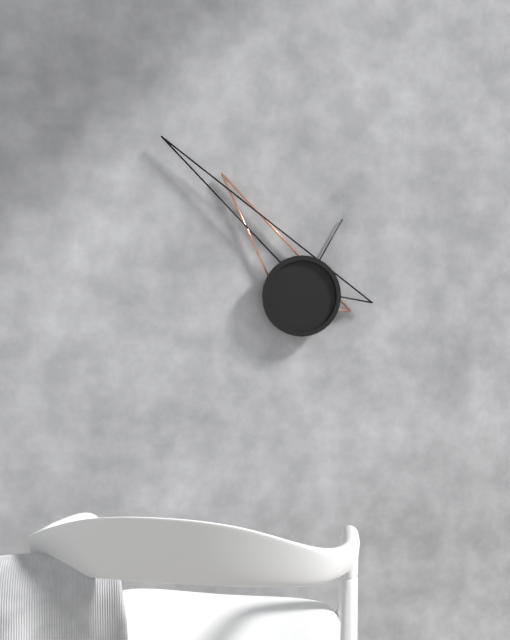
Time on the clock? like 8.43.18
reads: 10.53.05
